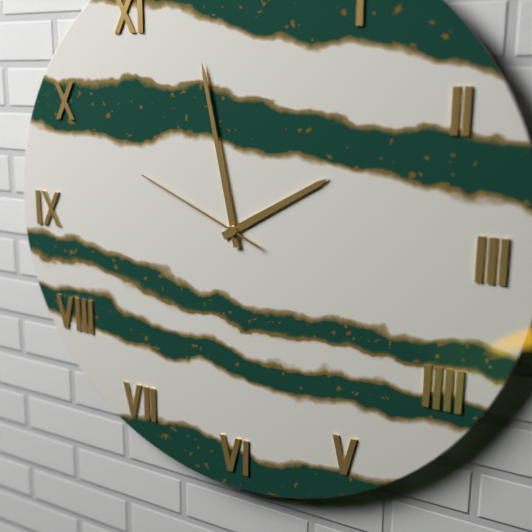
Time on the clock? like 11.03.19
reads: 1.58.49
